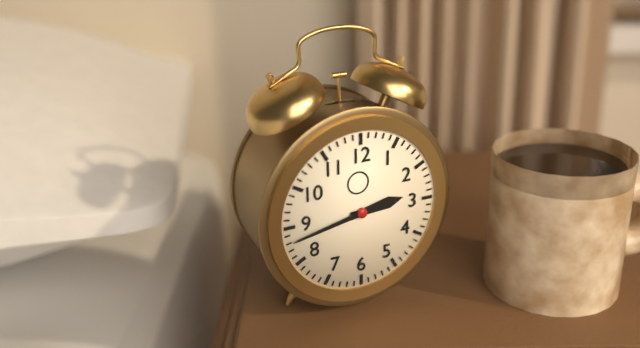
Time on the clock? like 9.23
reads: 2.43
